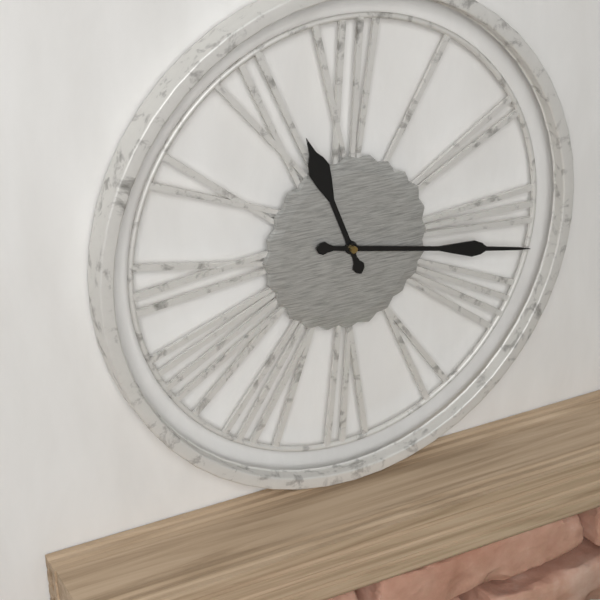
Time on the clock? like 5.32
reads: 11.17
